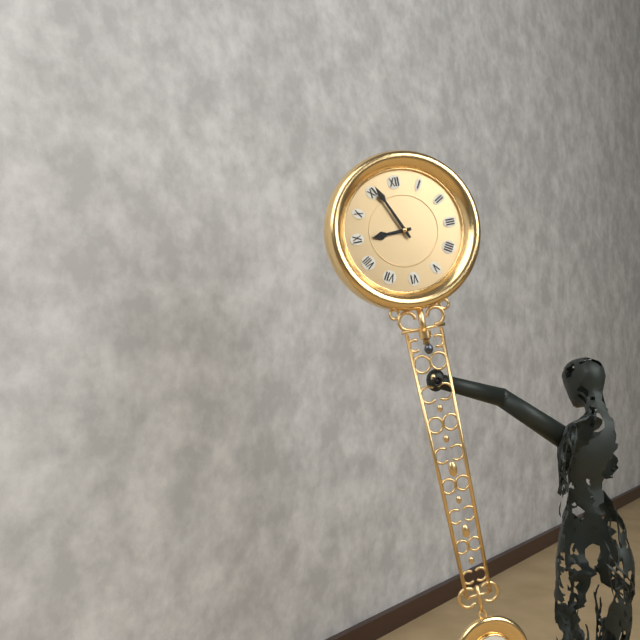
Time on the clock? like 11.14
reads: 8.56
